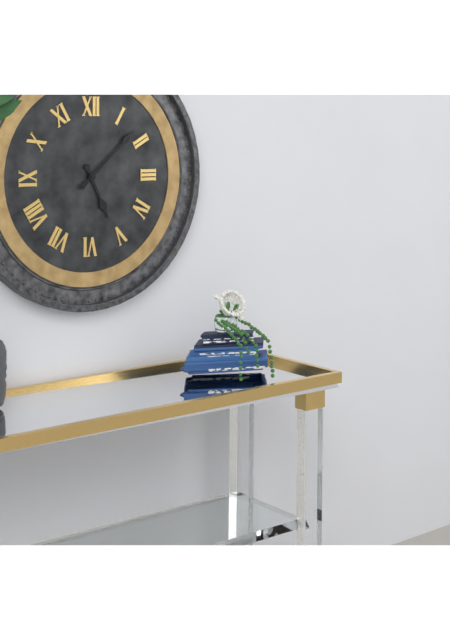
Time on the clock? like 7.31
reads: 5.08
